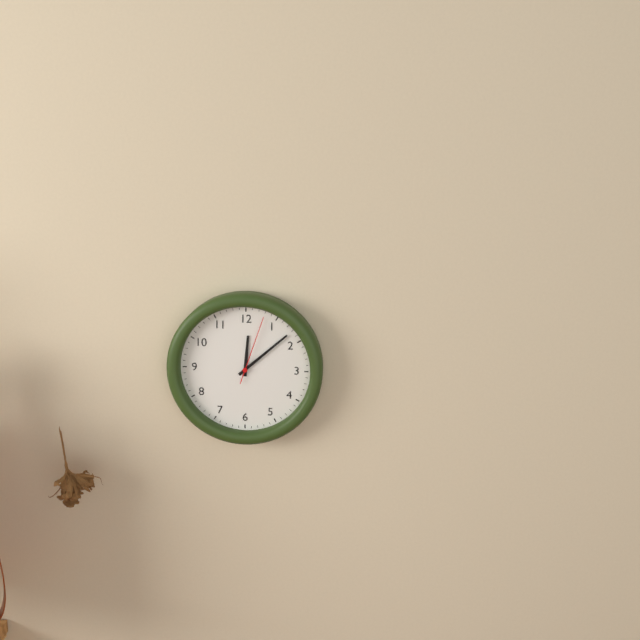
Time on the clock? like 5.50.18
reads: 12.08.03
